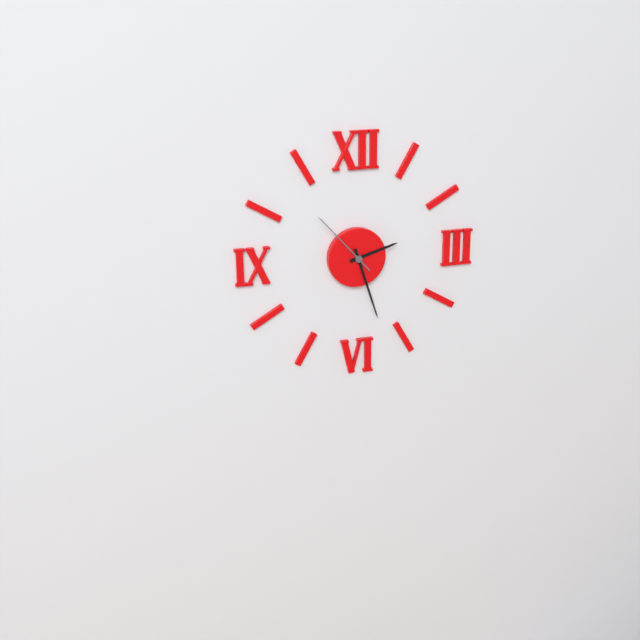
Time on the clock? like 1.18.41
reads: 2.27.53
